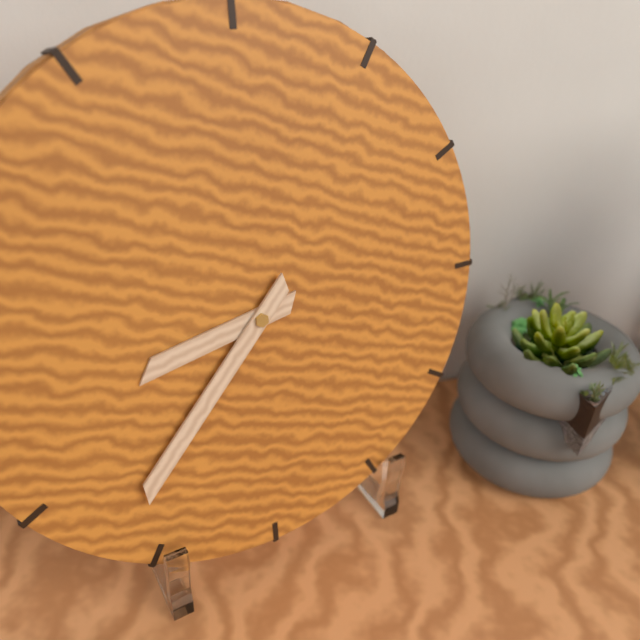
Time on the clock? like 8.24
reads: 8.37
